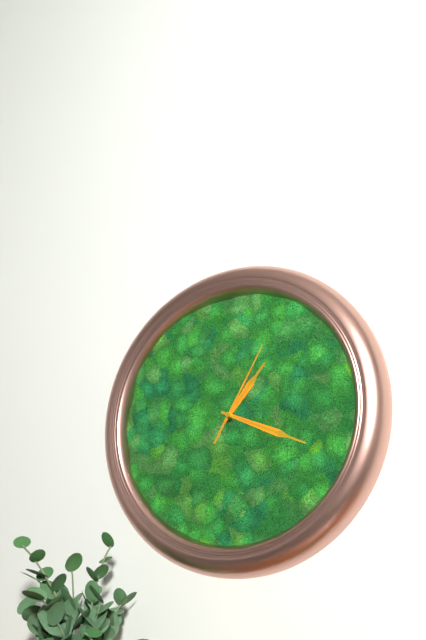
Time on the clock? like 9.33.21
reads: 1.19.05
